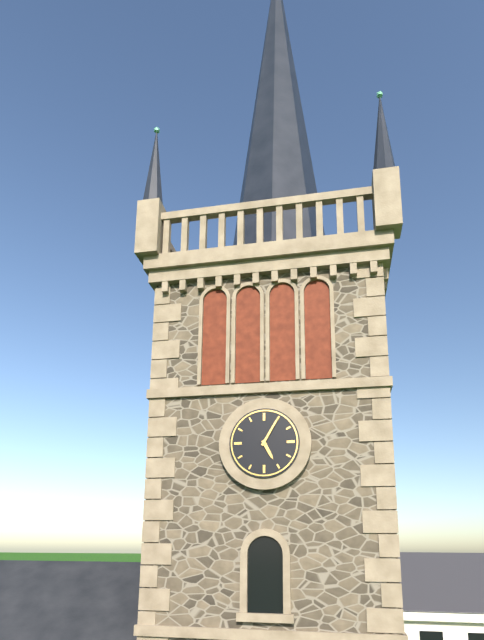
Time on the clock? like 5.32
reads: 5.05
